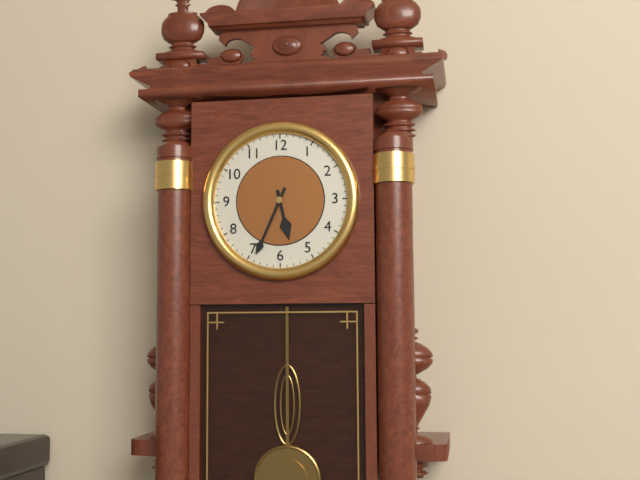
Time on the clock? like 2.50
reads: 5.34
